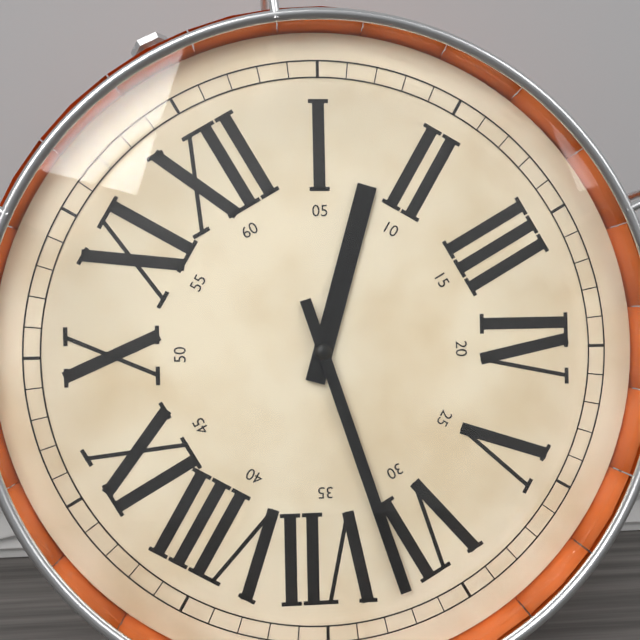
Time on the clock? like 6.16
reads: 1.32
